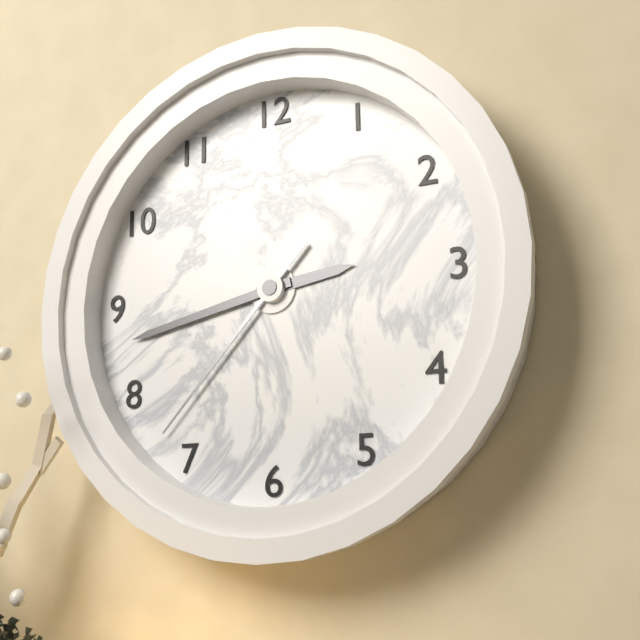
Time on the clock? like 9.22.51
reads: 2.43.37
